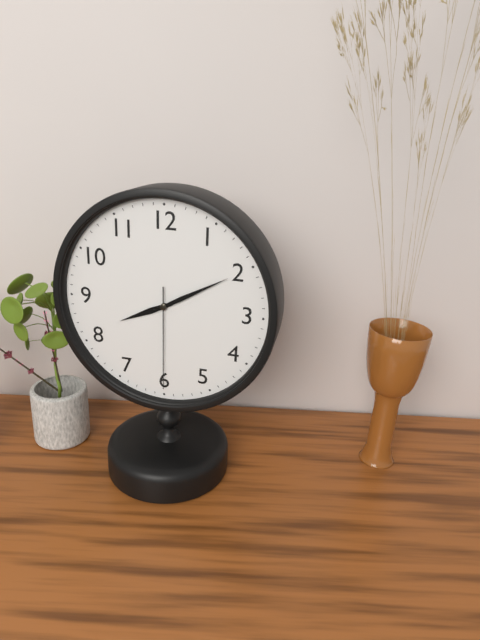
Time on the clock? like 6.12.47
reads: 8.10.30
